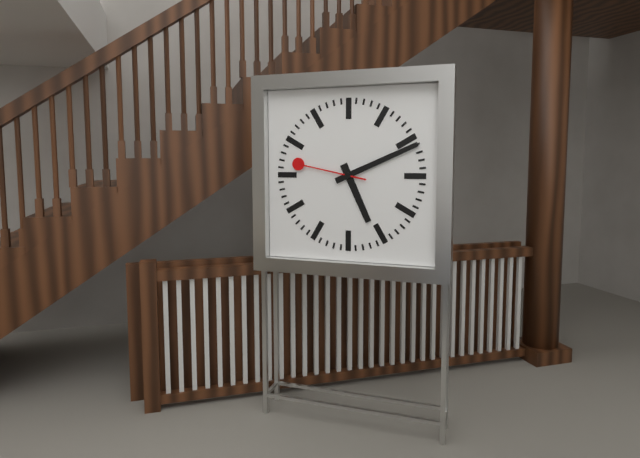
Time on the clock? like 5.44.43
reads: 5.11.47
